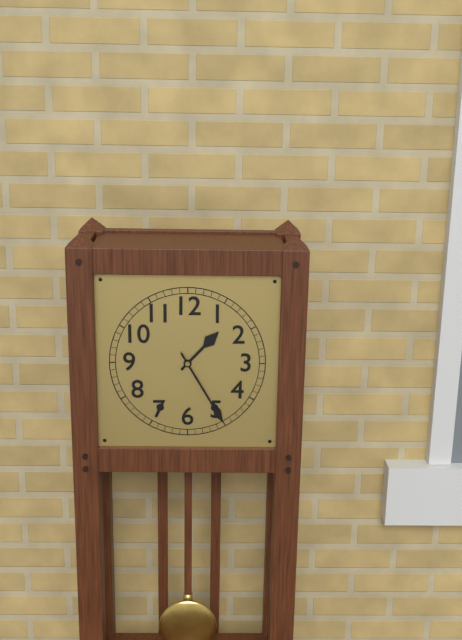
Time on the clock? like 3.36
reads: 1.25
